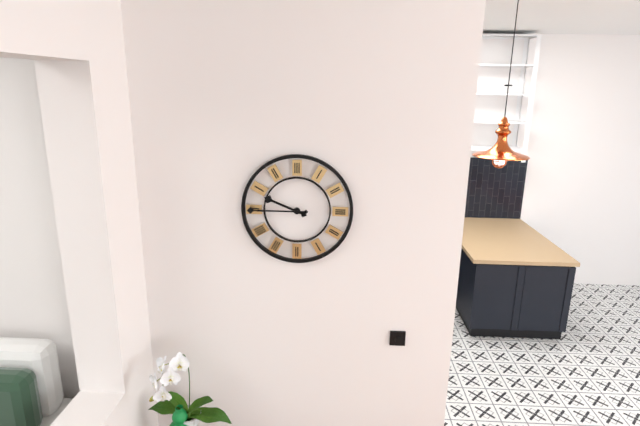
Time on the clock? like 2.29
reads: 9.45
